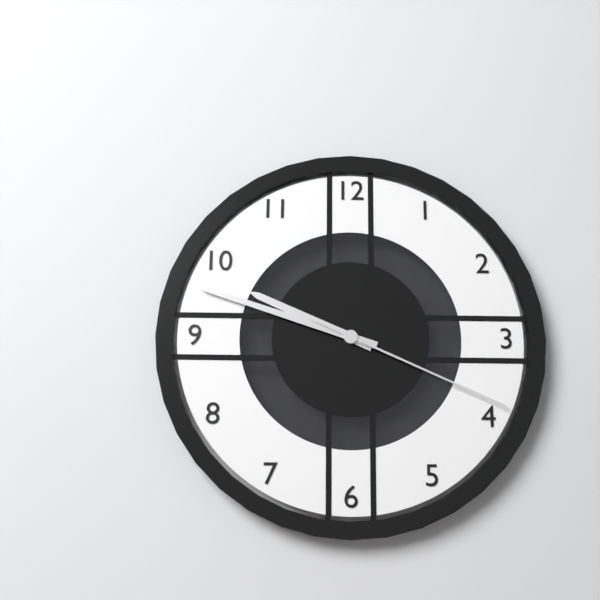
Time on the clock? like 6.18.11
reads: 9.48.19
